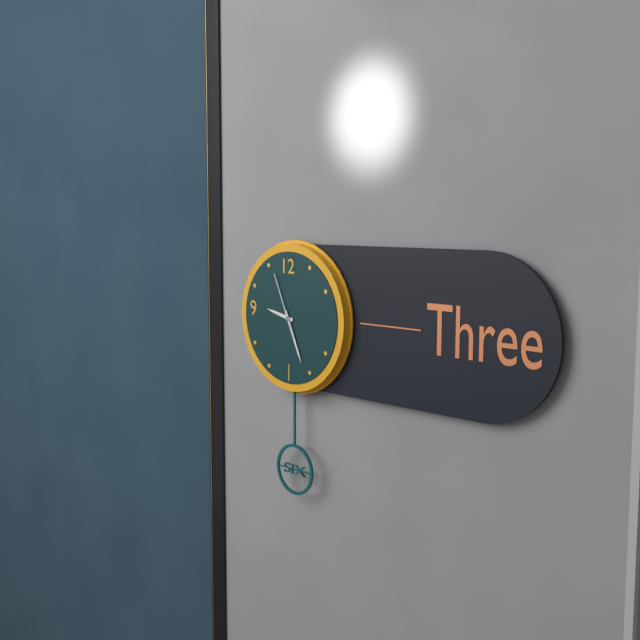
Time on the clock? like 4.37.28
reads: 9.26.56
